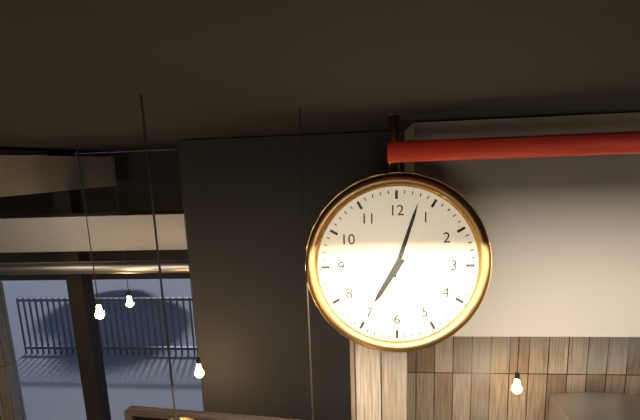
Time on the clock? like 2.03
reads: 7.03
